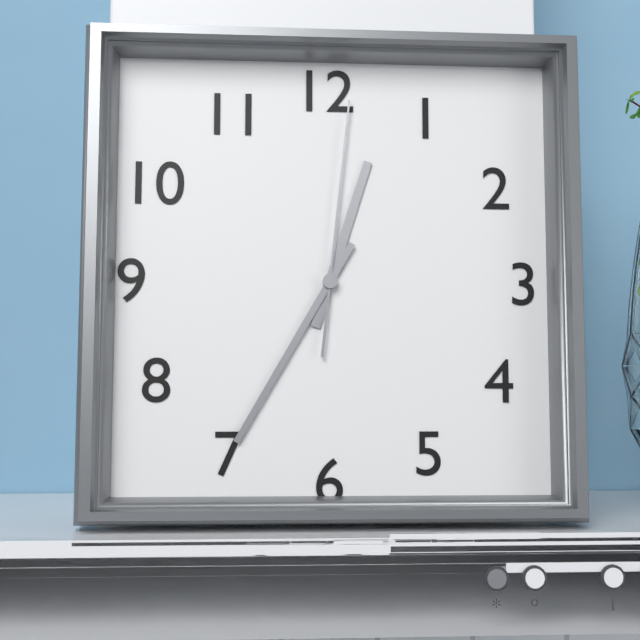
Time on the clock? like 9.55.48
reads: 12.35.01
